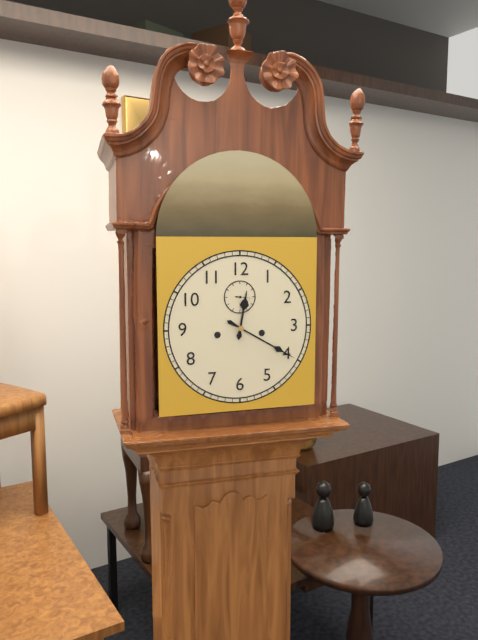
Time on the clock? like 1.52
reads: 12.20
